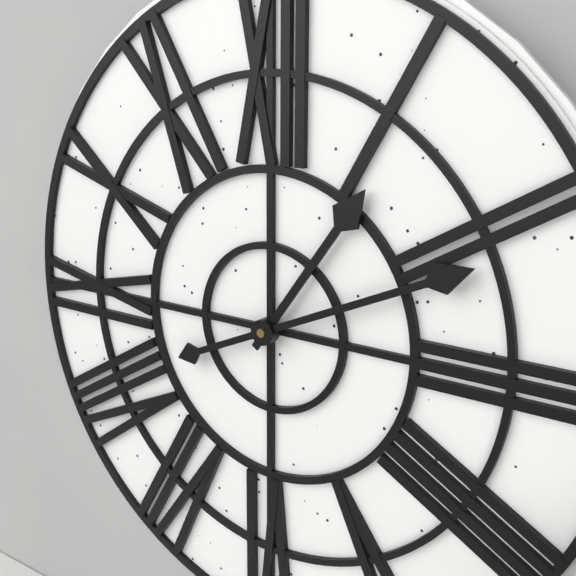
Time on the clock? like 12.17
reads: 1.11
